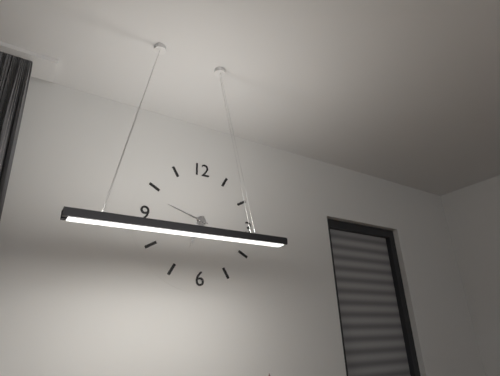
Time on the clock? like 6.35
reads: 6.48
